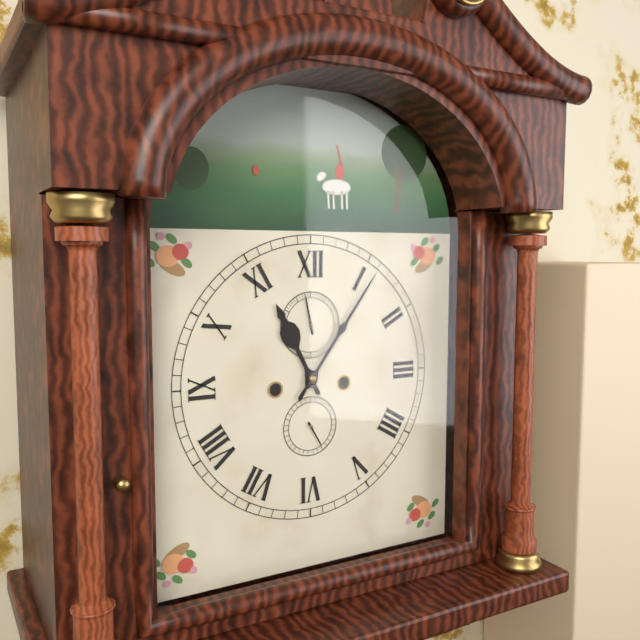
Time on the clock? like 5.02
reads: 11.06
